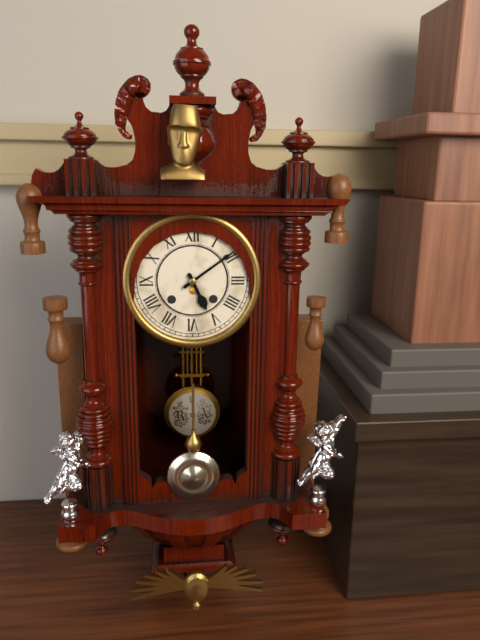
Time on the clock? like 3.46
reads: 5.09
